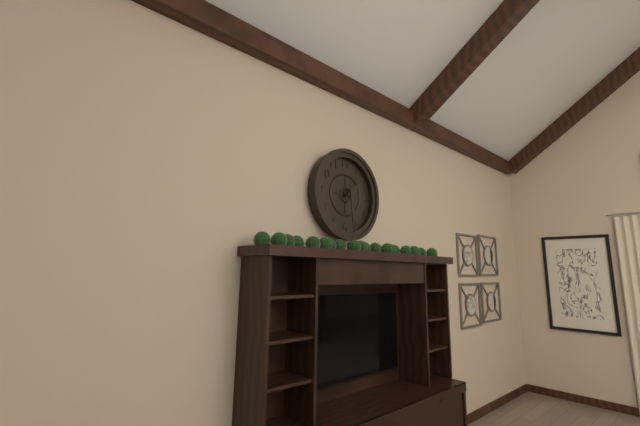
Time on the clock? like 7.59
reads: 1.29
